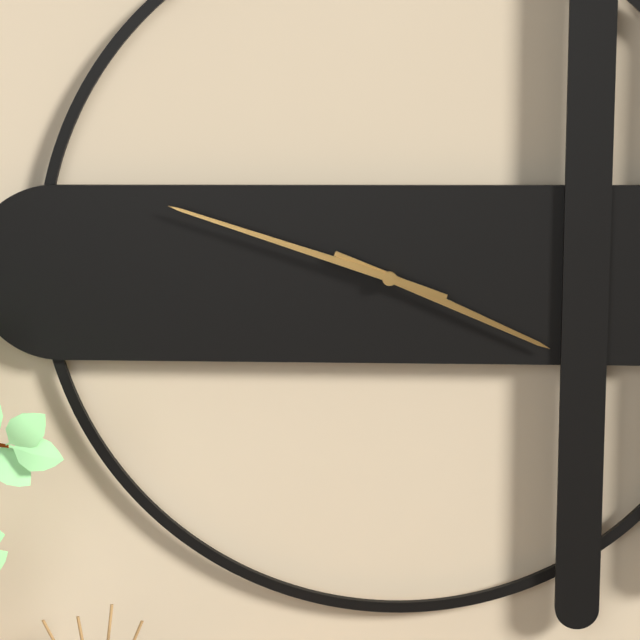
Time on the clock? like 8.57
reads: 3.48
